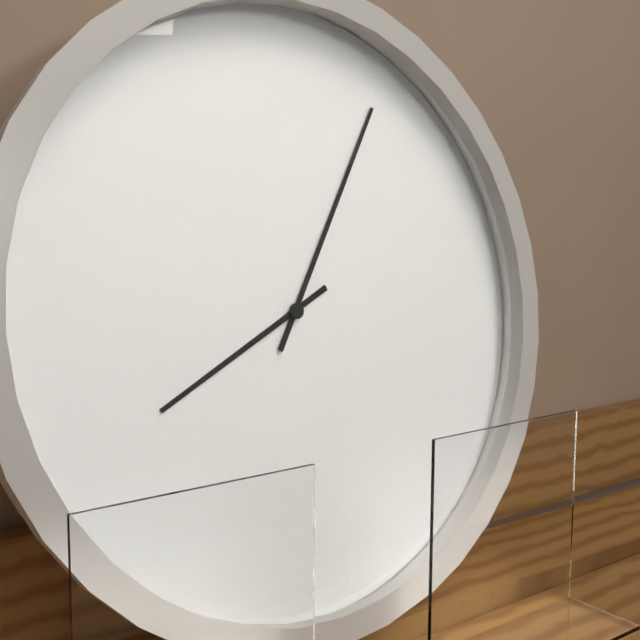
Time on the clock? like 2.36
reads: 8.05
